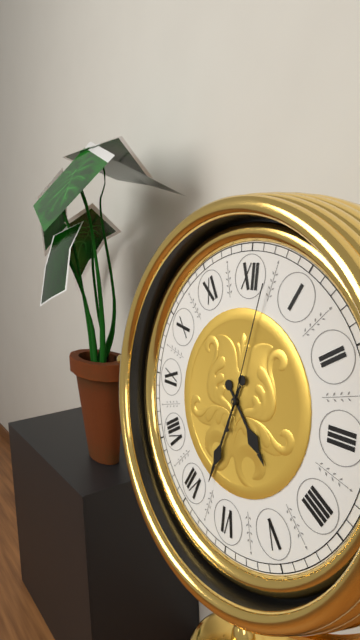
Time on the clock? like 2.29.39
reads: 4.33.02
